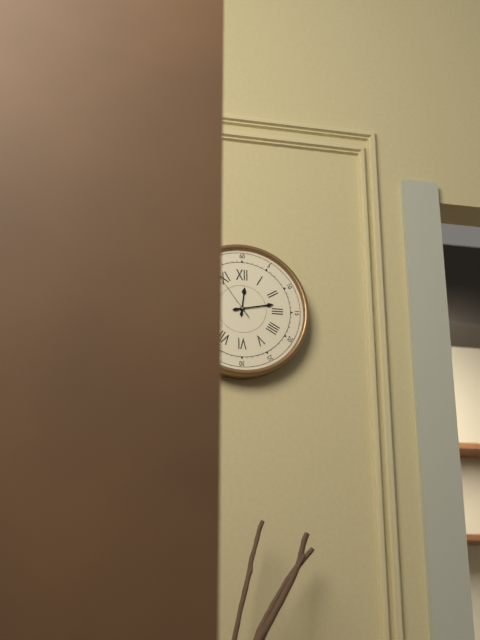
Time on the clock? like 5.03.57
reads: 12.13.54
